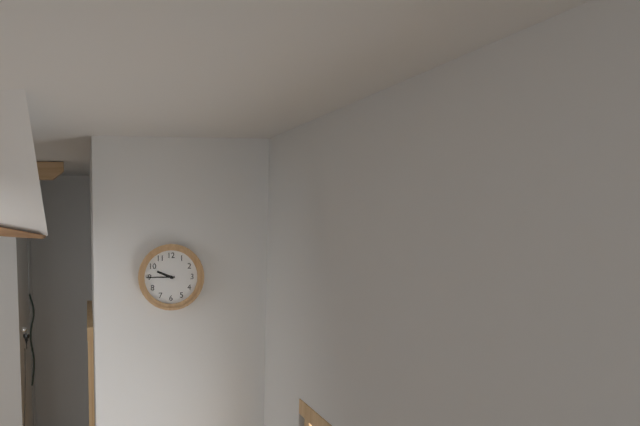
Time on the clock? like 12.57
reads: 9.45
